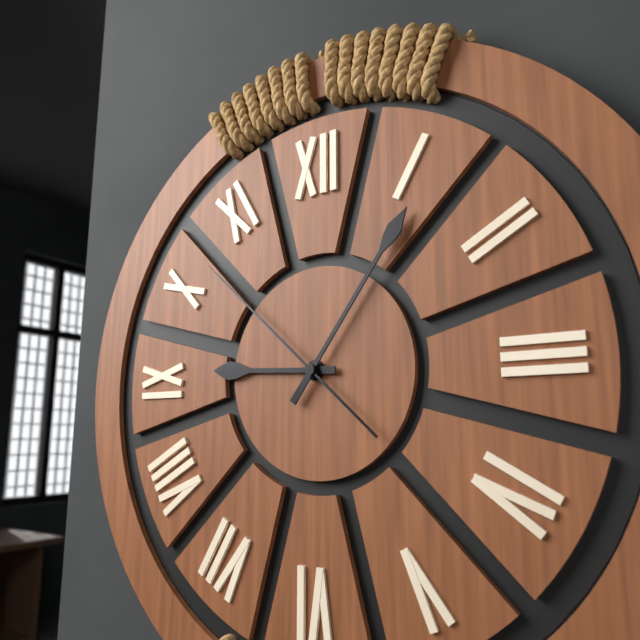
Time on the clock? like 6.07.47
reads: 9.06.52
